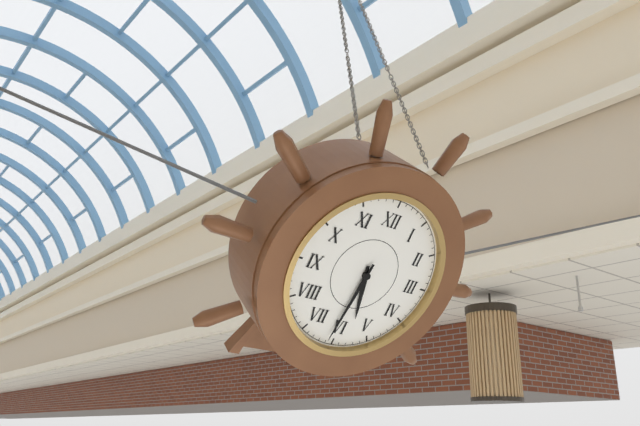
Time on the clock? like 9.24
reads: 5.31
